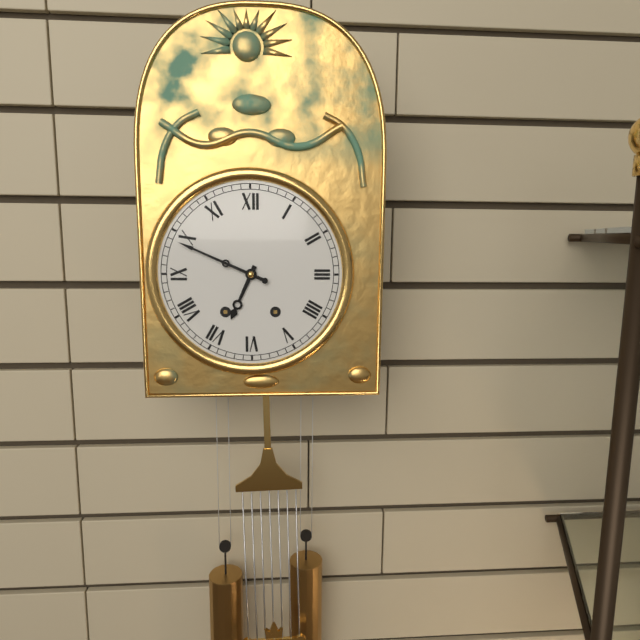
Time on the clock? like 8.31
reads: 6.49
